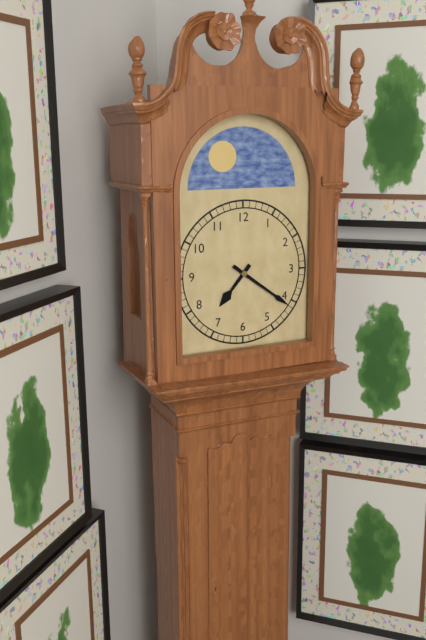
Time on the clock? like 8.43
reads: 7.21
